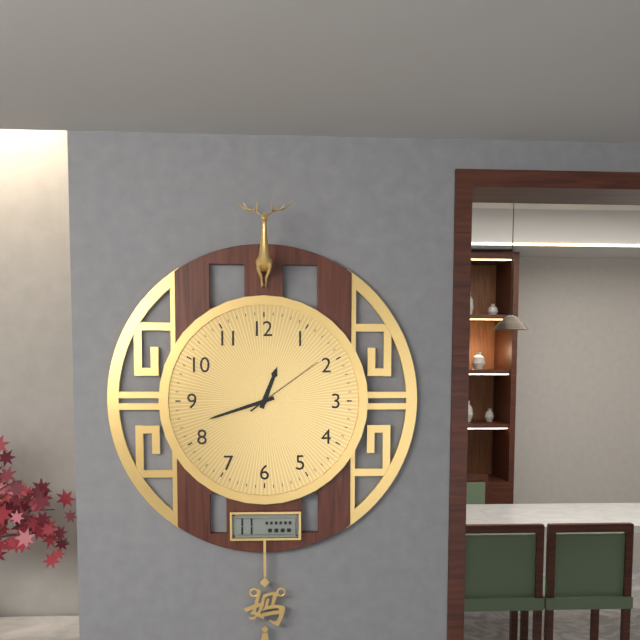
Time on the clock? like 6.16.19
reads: 12.42.09
